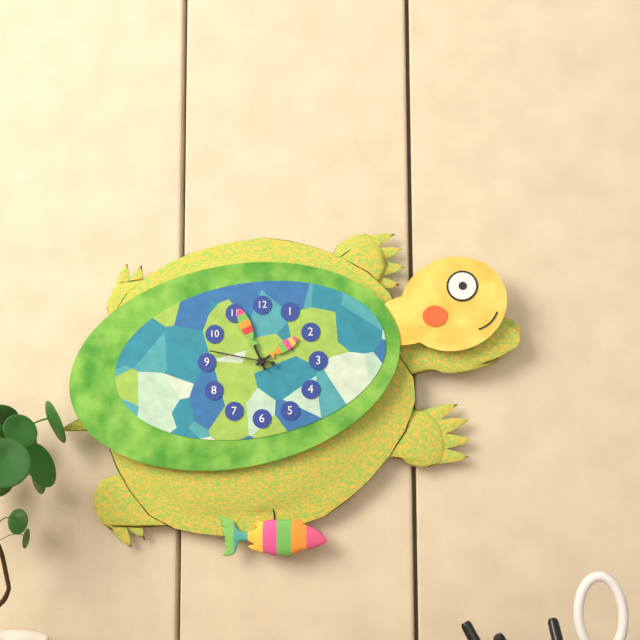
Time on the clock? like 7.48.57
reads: 1.56.47
